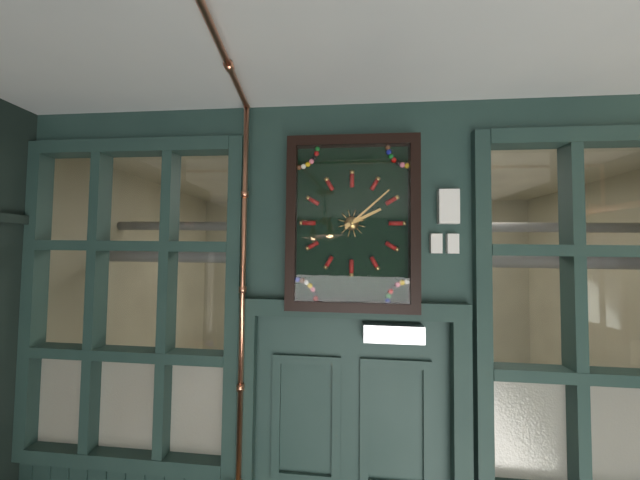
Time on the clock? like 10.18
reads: 2.08
